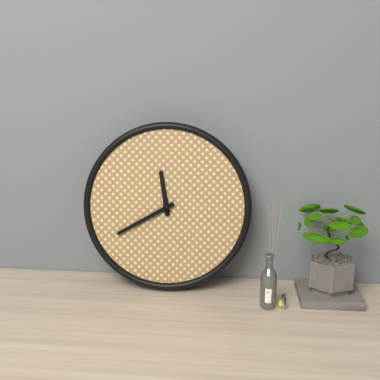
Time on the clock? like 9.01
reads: 11.40
